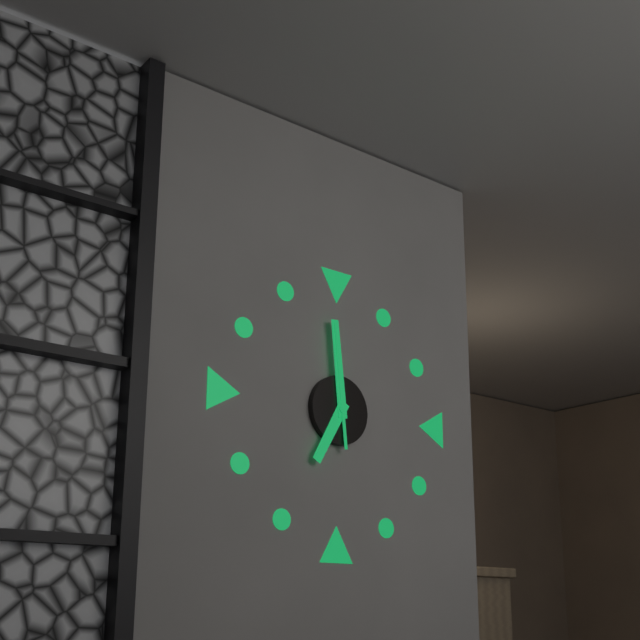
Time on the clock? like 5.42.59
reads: 6.59.59
